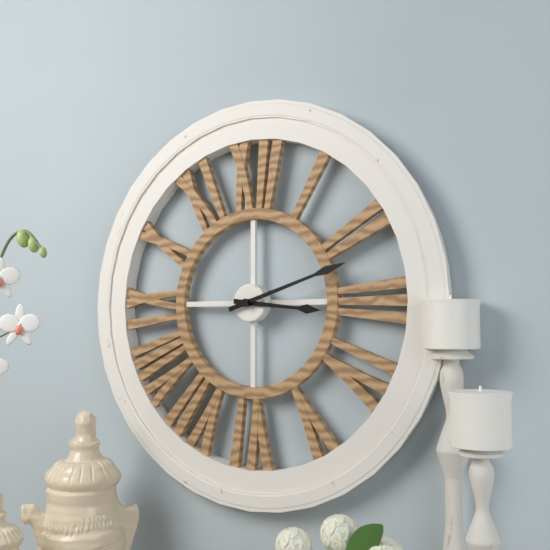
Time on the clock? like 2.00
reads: 3.12
